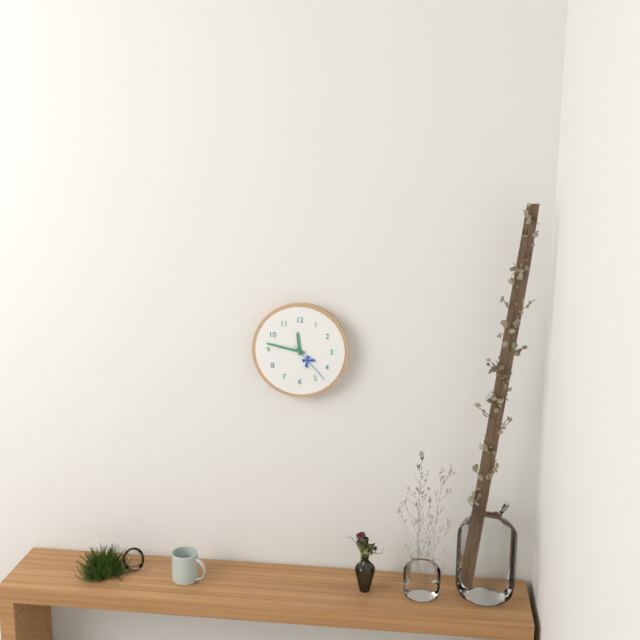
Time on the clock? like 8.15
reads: 11.47
